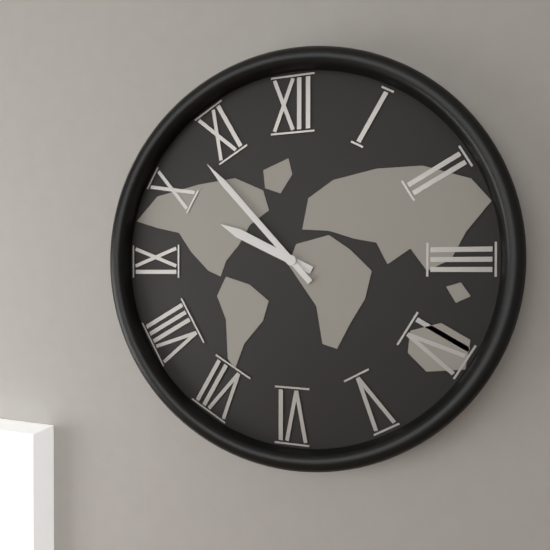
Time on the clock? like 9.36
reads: 9.53
